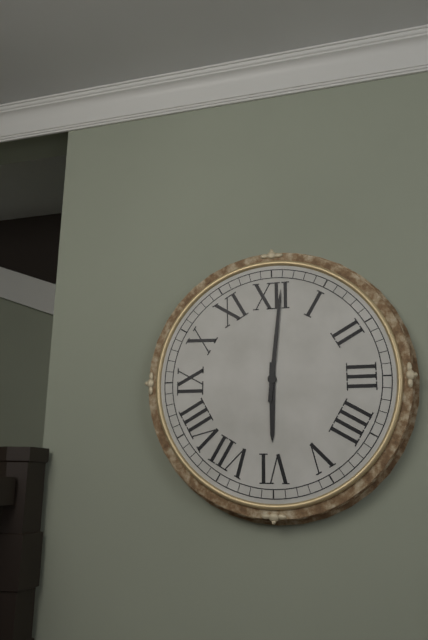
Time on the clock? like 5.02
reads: 6.01
